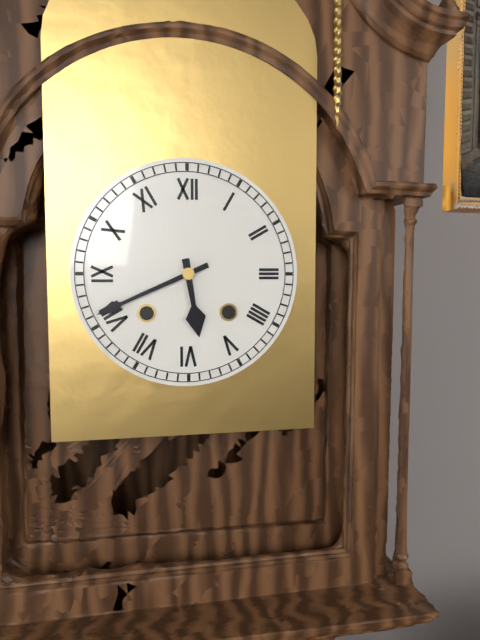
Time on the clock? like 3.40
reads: 5.41
